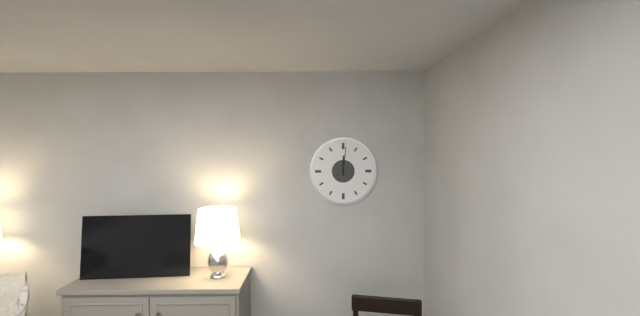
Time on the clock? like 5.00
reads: 12.01
